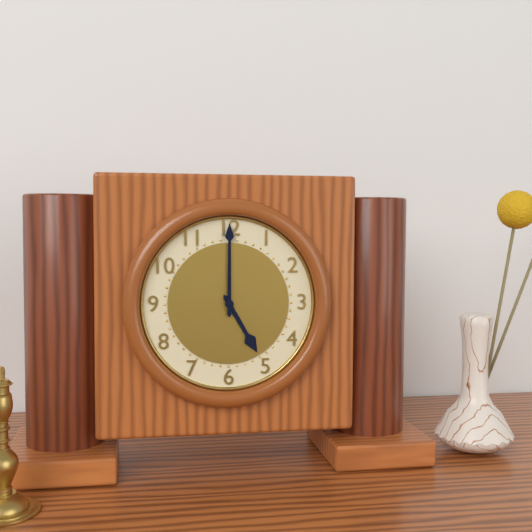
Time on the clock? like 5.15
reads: 5.00
